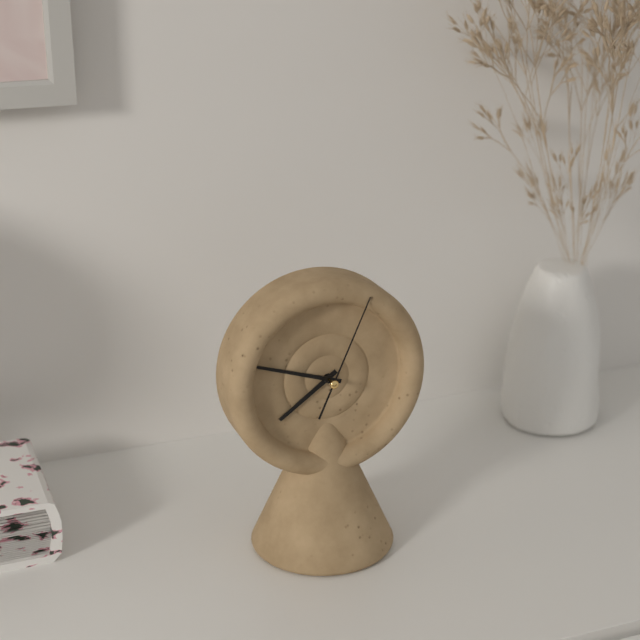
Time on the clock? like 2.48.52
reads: 7.48.04
